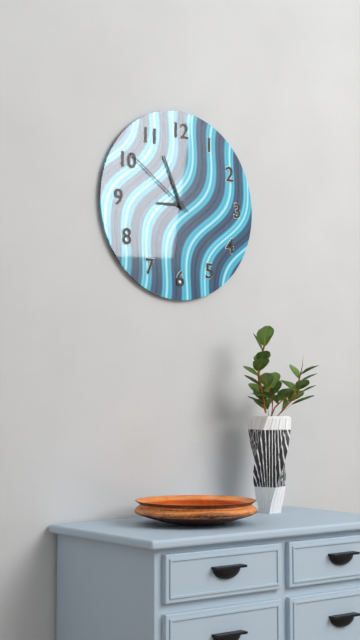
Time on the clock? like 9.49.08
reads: 8.56.51
